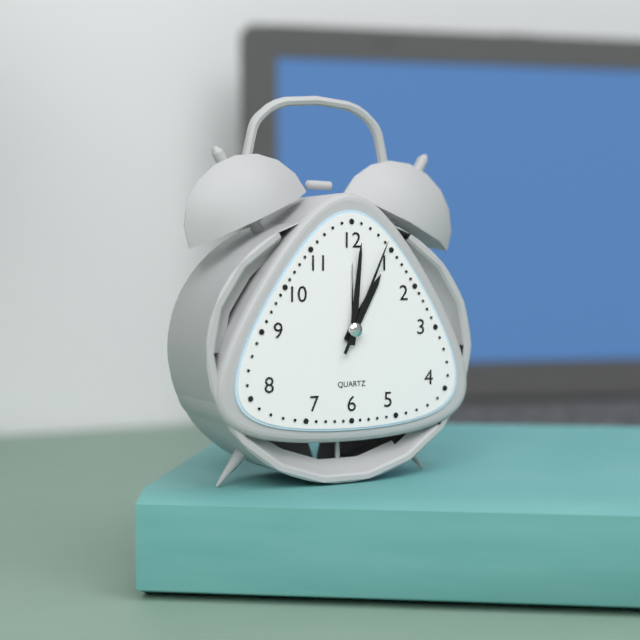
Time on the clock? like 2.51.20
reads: 1.01.04
